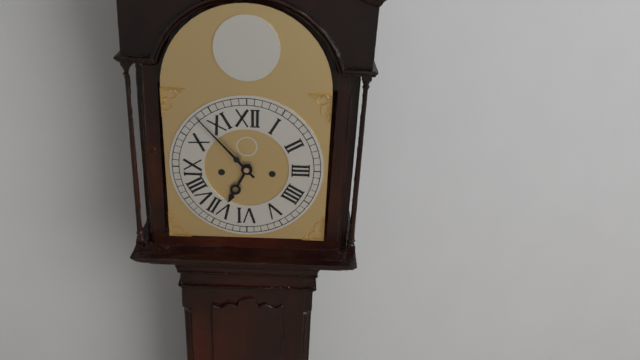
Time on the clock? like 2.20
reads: 6.53
